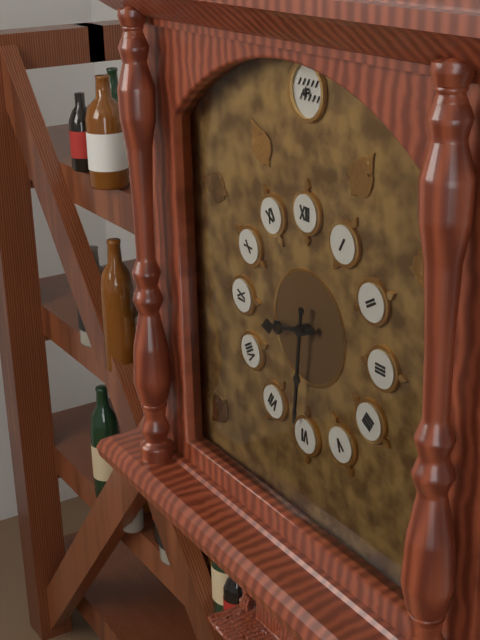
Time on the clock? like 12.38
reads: 8.31
